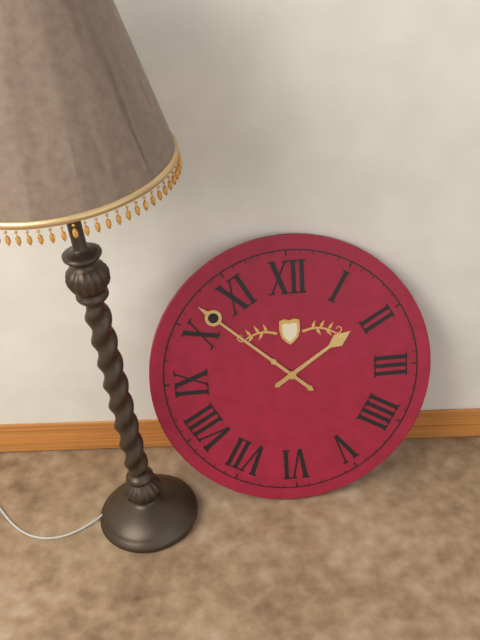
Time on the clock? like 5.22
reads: 1.52
